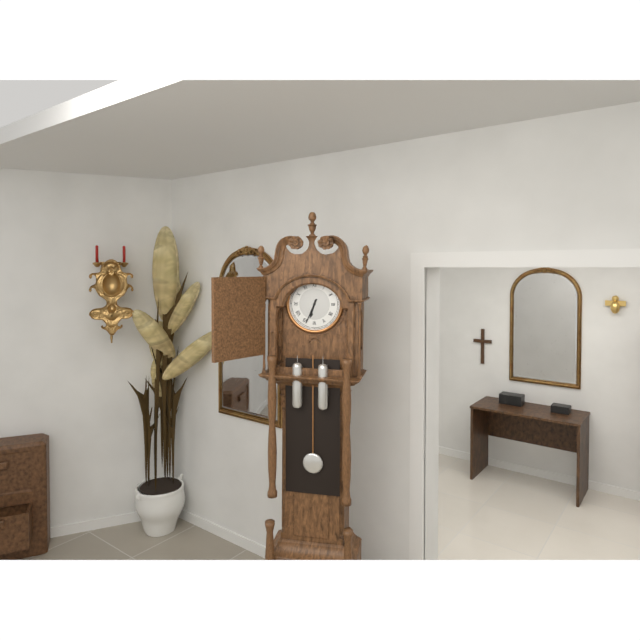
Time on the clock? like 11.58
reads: 6.34
